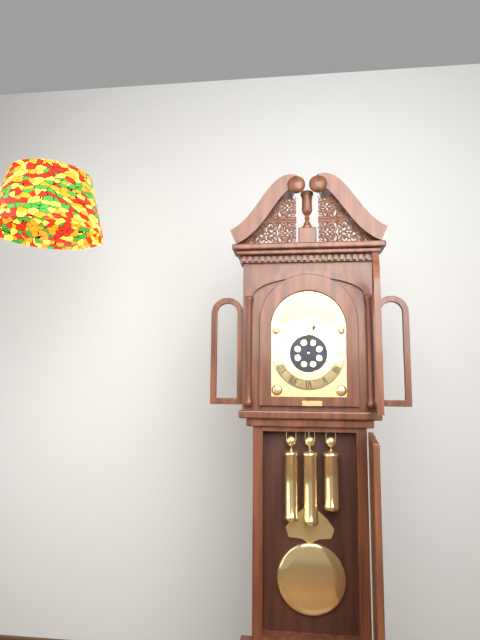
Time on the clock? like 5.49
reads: 12.02
